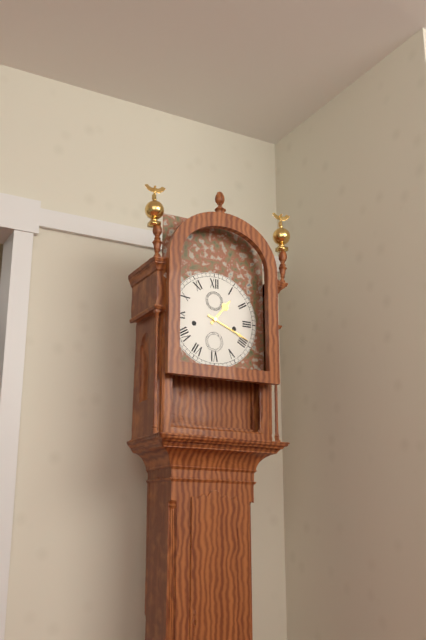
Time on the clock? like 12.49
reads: 1.19
